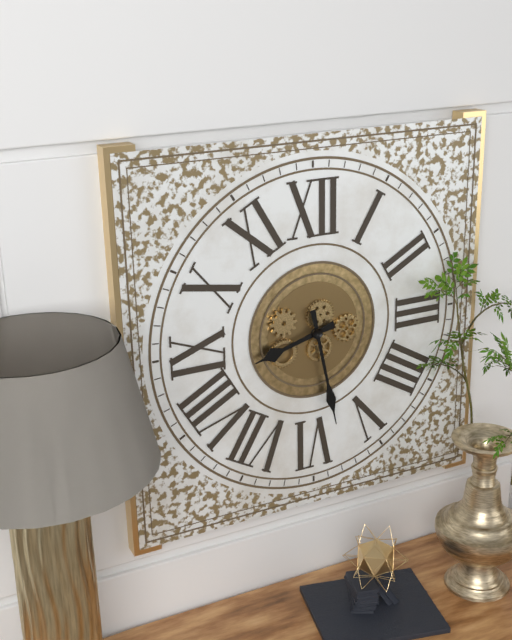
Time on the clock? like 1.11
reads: 8.28
